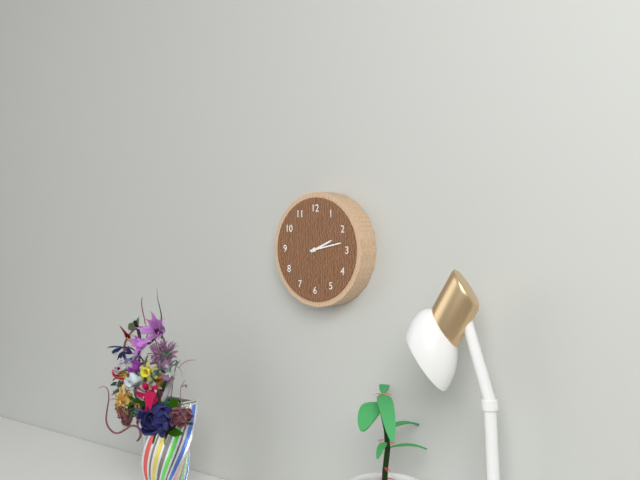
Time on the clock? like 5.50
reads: 2.13
